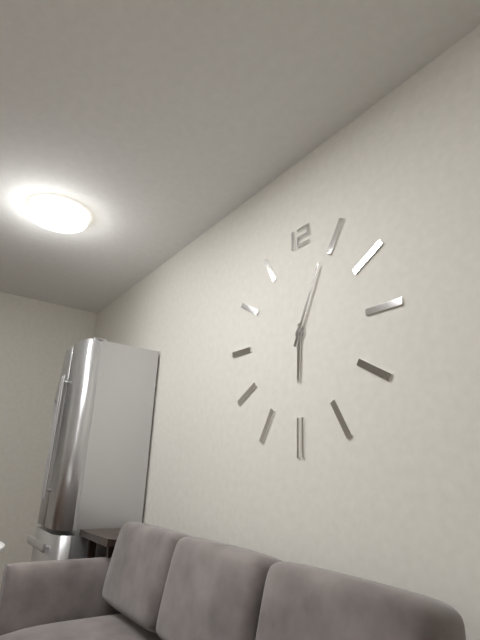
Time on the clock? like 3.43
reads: 6.04
